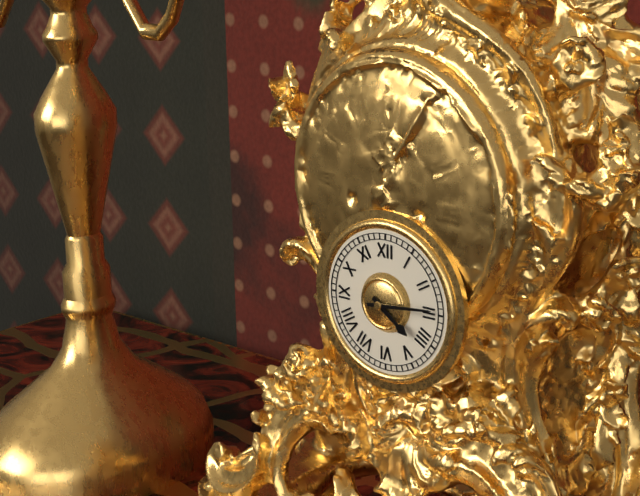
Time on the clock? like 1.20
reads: 4.14
